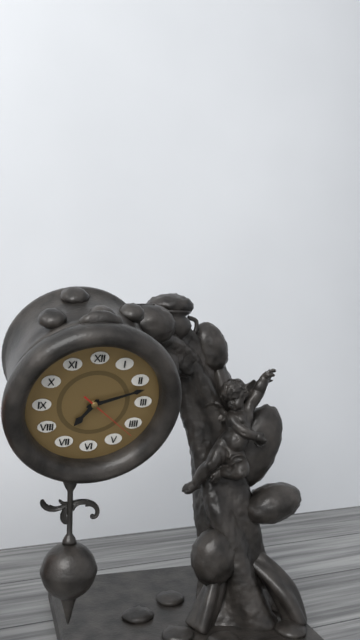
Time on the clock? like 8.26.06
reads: 7.12.22
